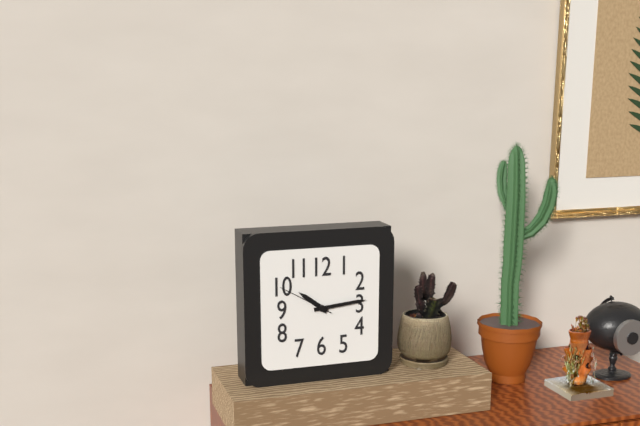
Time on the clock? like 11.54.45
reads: 10.14.50
